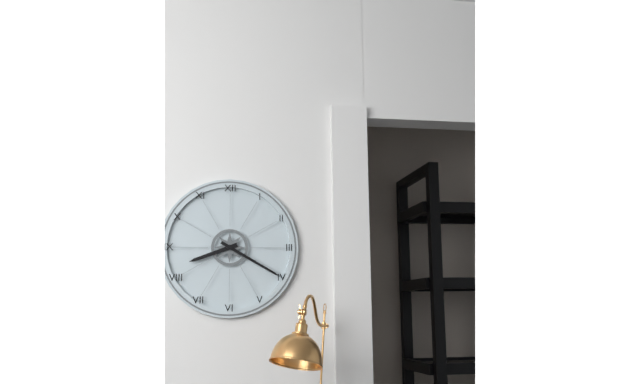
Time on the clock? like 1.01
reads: 8.20
